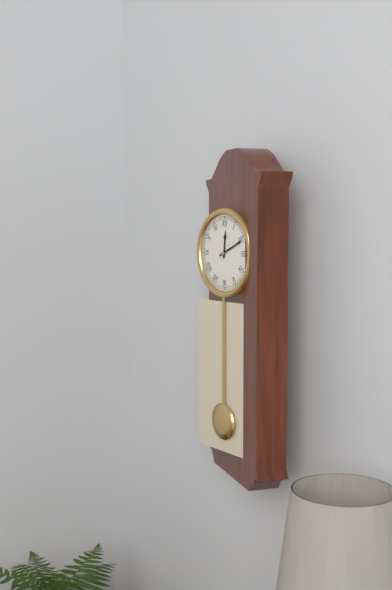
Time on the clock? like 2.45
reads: 12.11
